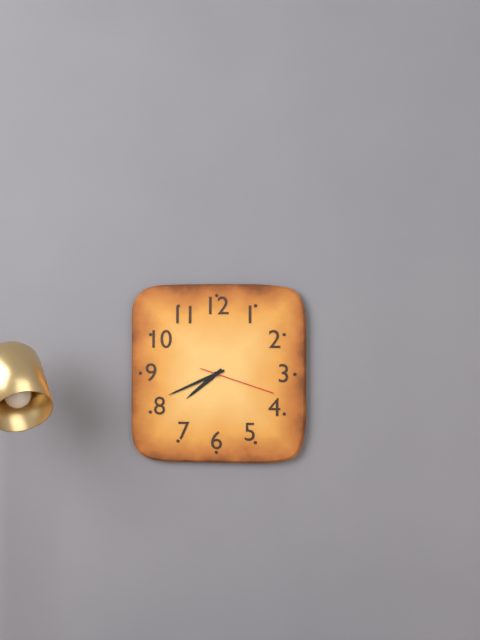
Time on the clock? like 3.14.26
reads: 7.41.18
